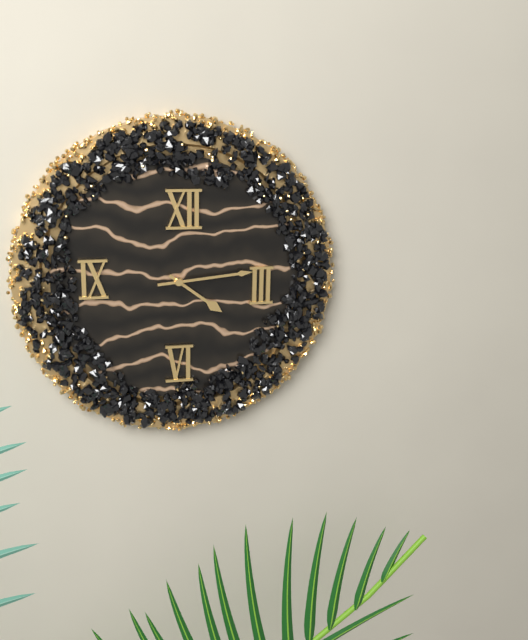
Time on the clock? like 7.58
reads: 4.14
